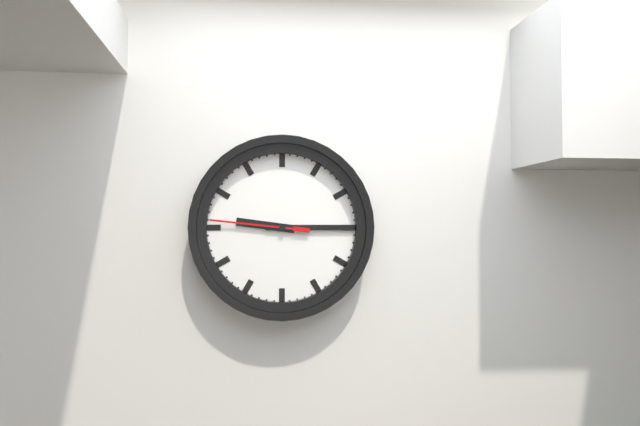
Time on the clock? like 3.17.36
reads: 9.15.46
